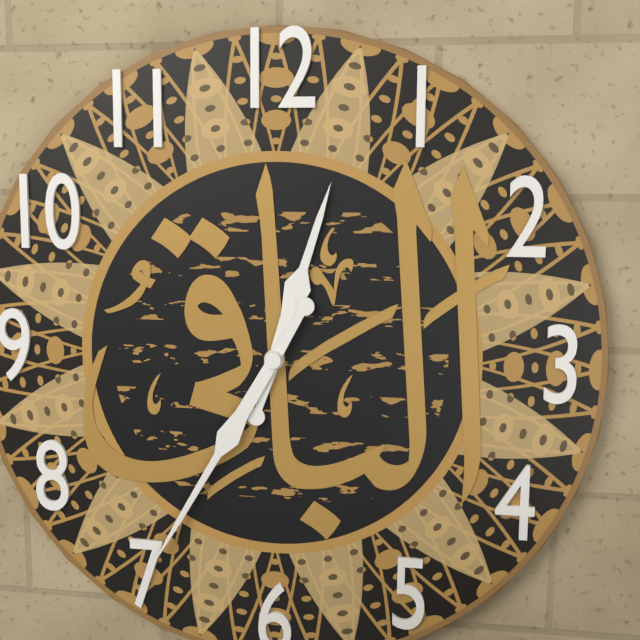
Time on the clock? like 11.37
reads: 12.35
